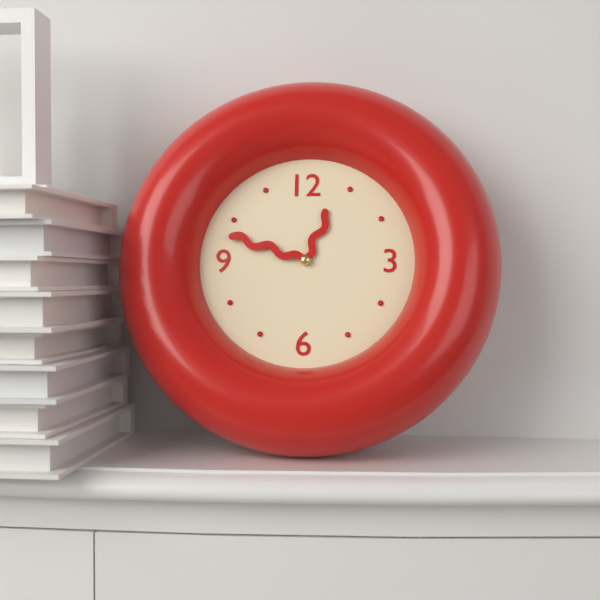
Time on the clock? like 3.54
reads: 12.48
